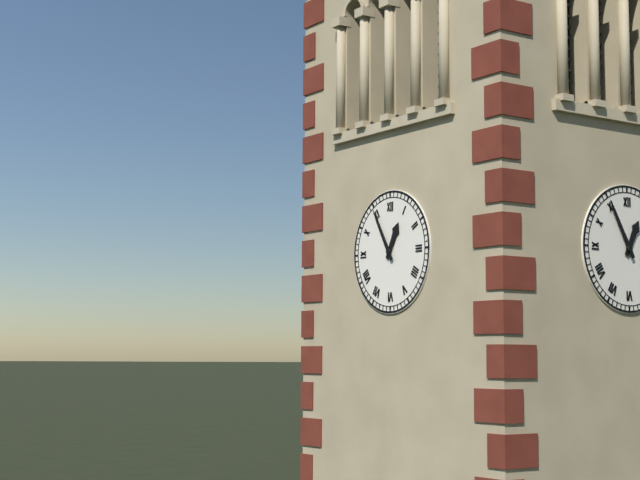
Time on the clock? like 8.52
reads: 12.55
